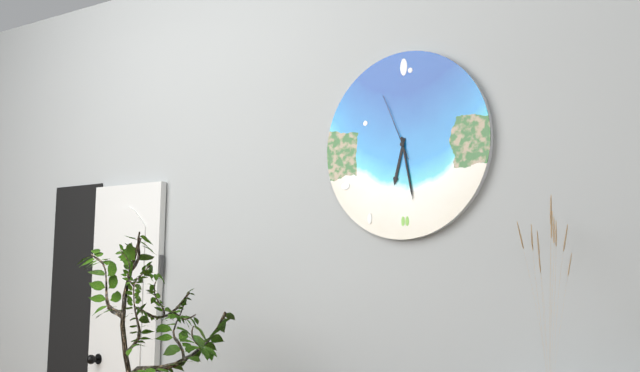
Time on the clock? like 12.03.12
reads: 6.28.56
